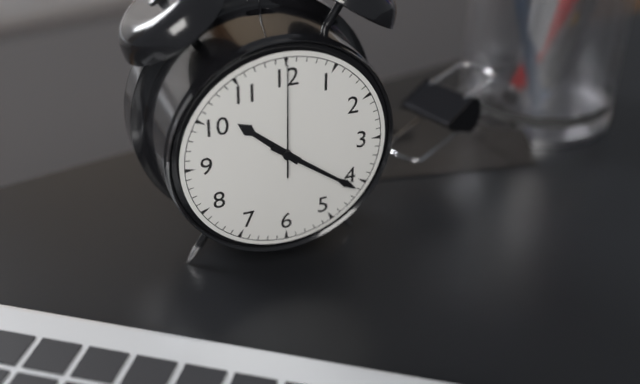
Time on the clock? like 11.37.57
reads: 10.21.00
